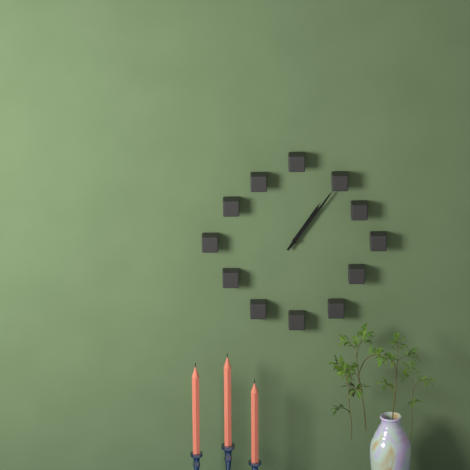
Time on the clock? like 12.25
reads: 1.06
